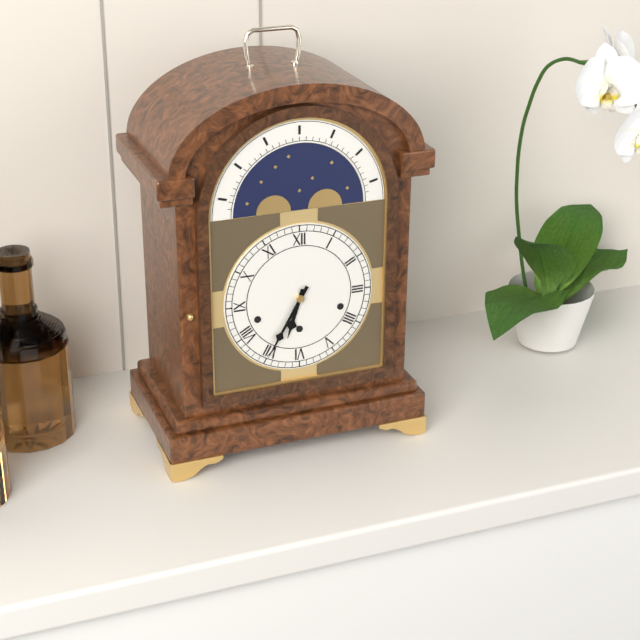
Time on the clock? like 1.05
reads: 6.35
